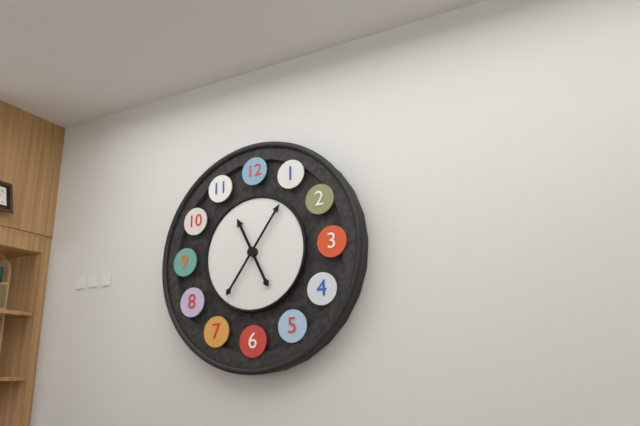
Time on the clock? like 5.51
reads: 11.06
